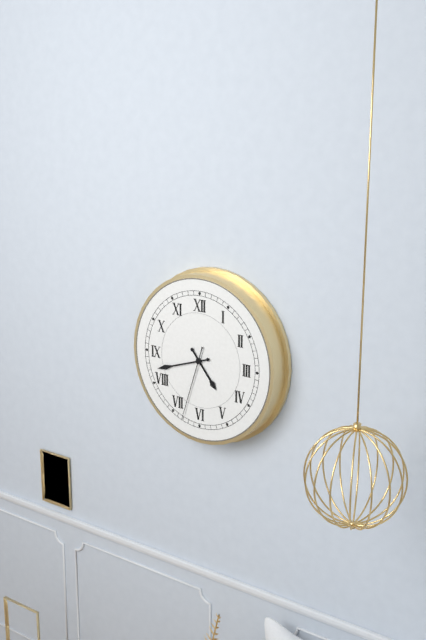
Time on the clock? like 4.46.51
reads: 4.42.33
